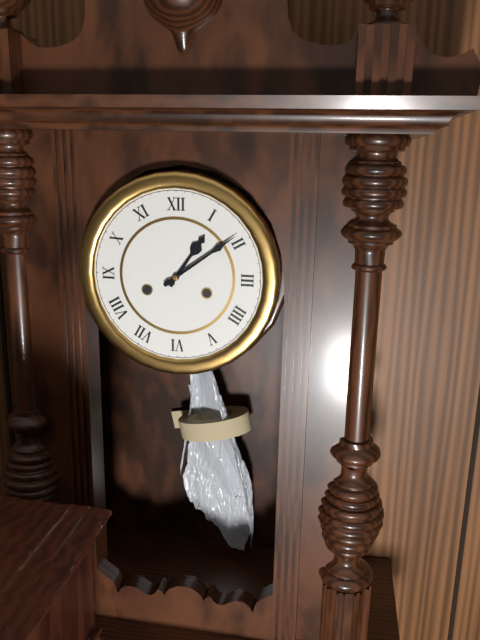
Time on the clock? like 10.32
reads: 1.09
